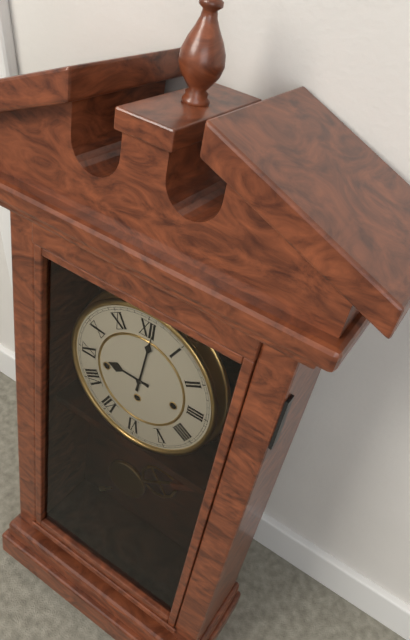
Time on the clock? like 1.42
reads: 9.01
